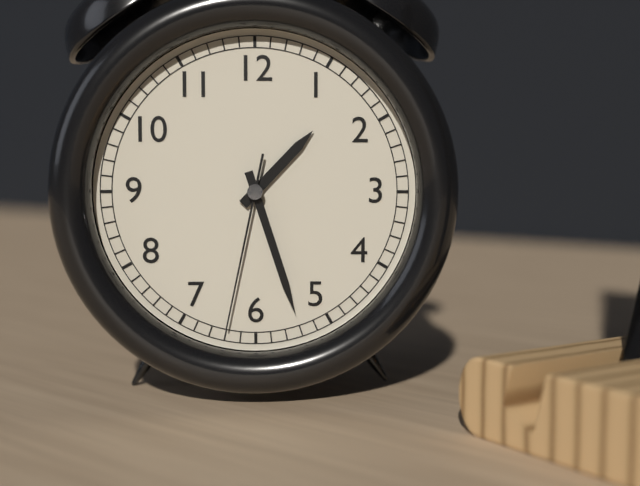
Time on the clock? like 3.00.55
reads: 1.27.32
